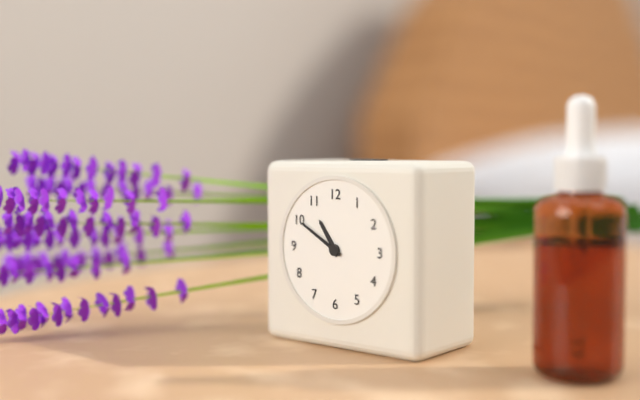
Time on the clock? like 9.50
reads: 10.50
